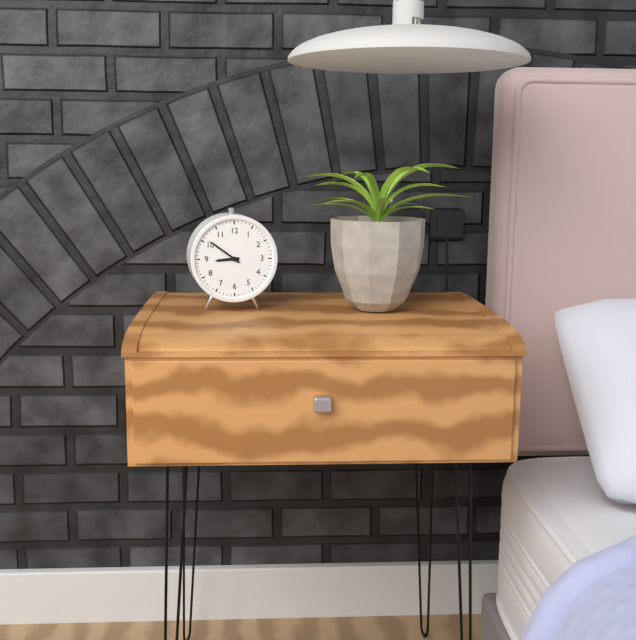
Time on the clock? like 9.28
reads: 8.51
